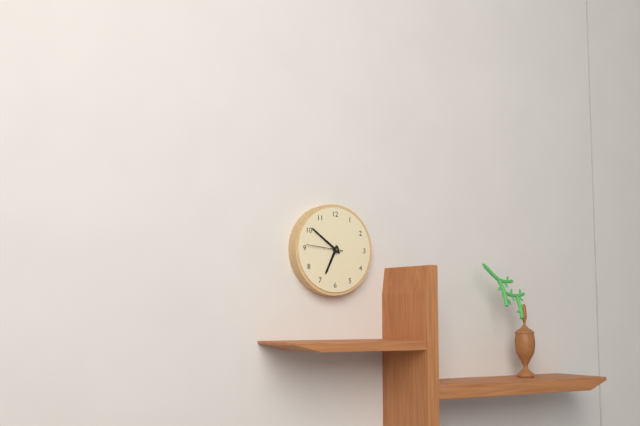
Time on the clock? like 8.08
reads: 6.51
